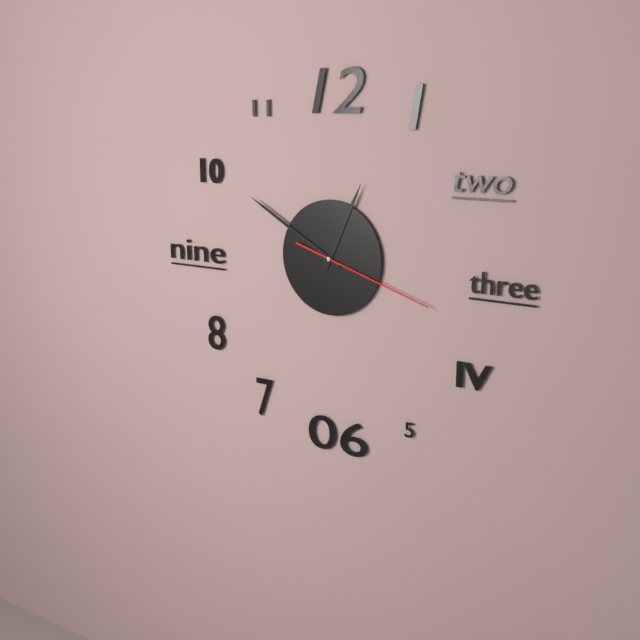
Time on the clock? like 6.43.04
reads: 12.50.18
